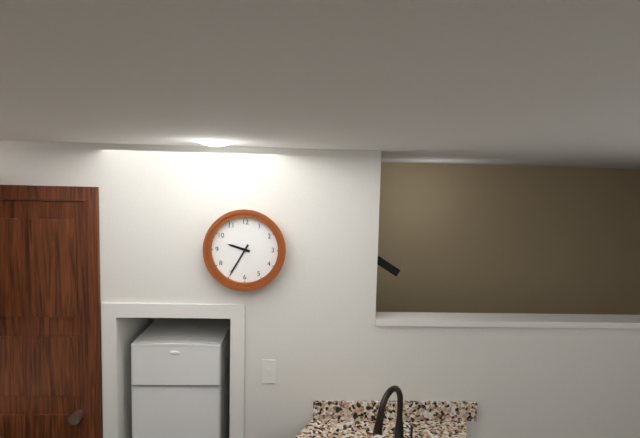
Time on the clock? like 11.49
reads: 9.35
